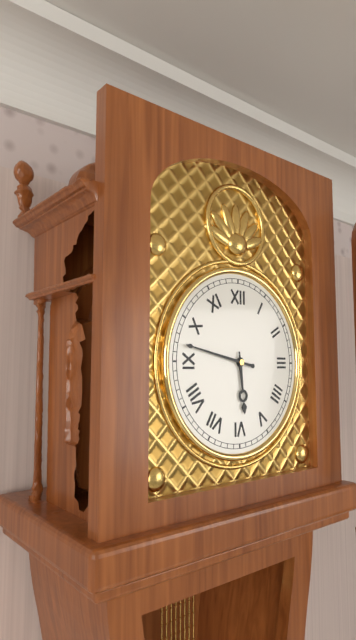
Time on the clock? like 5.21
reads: 5.47
